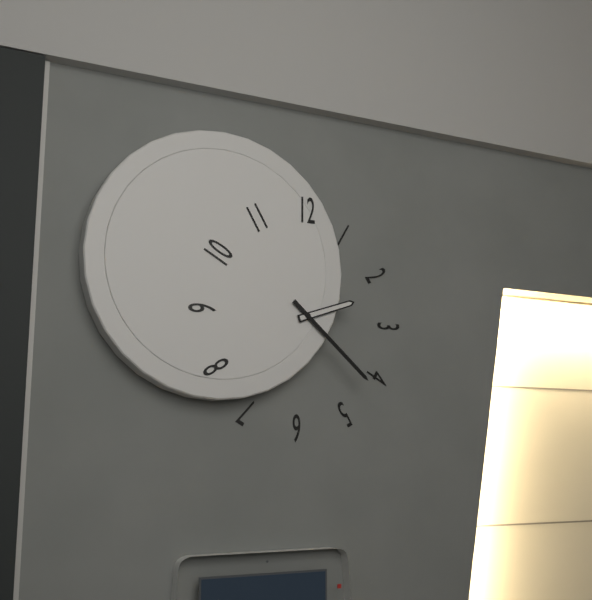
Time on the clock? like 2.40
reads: 2.22
